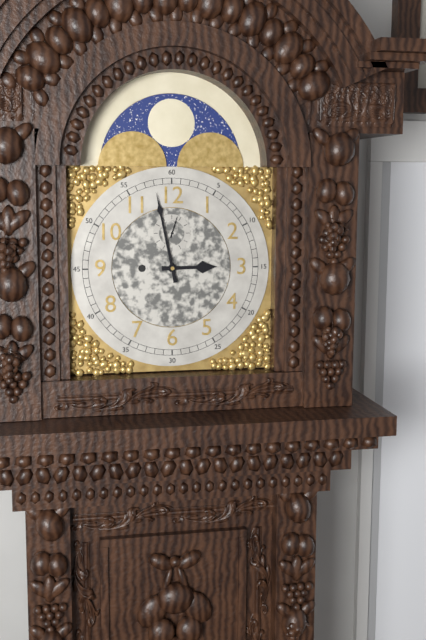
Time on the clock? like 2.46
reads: 2.58
